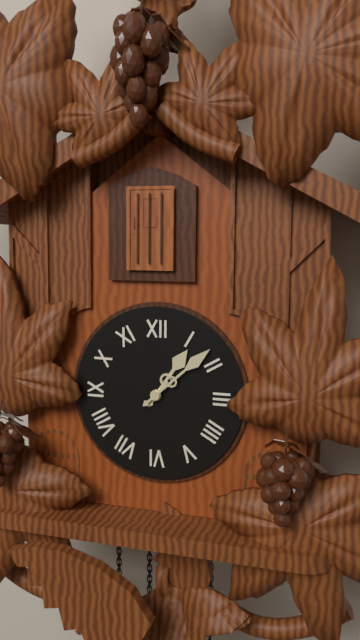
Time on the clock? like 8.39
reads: 1.08
